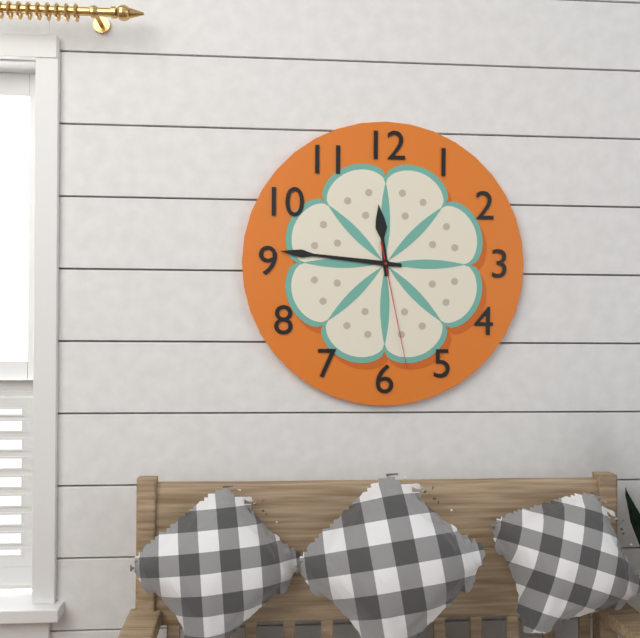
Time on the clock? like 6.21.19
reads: 11.46.28
